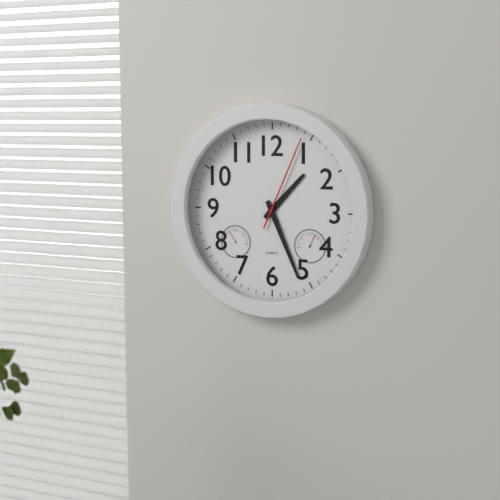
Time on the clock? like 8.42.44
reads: 1.26.04
